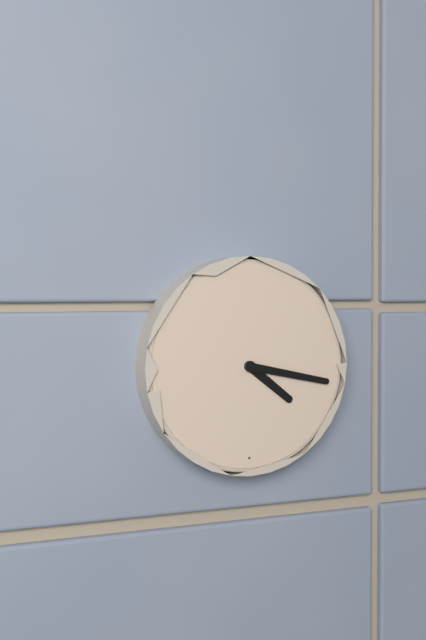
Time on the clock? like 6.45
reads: 4.17
